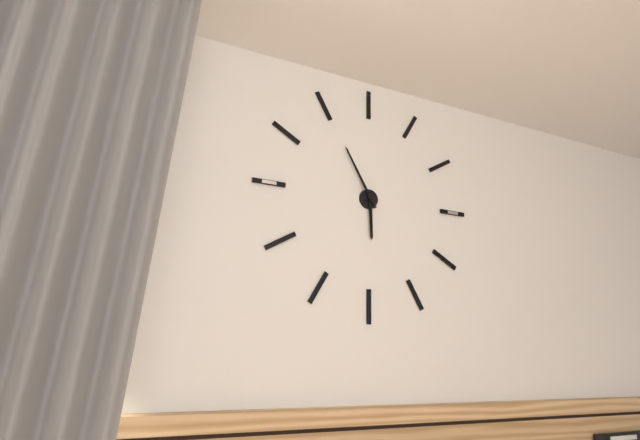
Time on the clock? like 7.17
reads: 5.55
